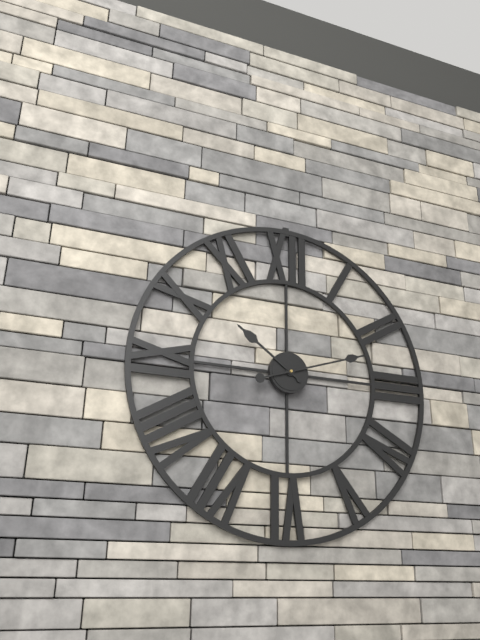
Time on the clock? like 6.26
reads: 10.12
